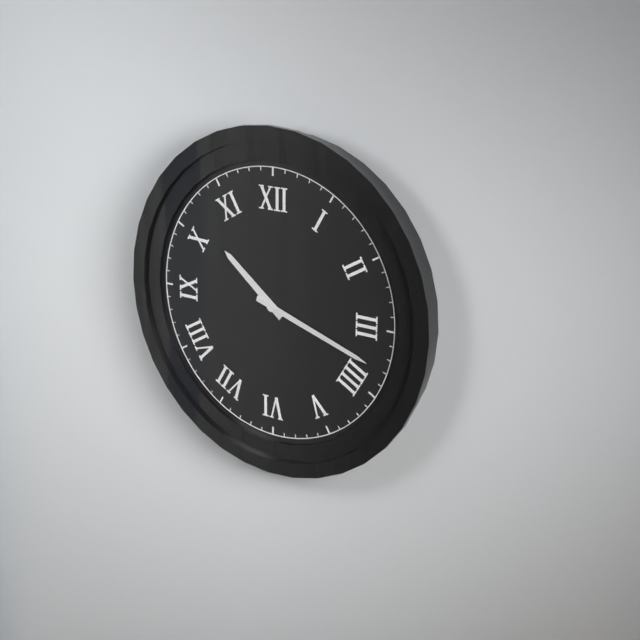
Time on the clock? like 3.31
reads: 10.18
